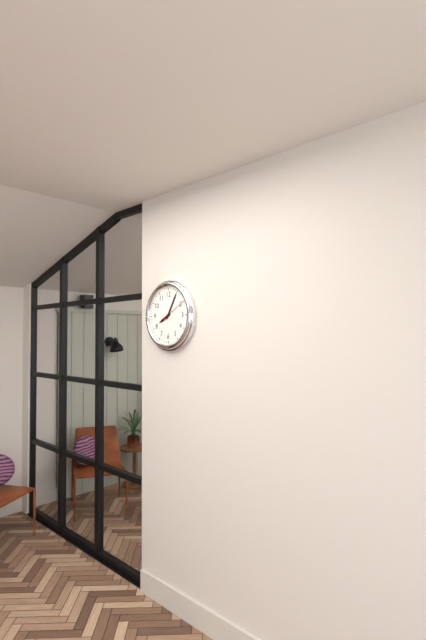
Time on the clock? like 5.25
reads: 8.05
